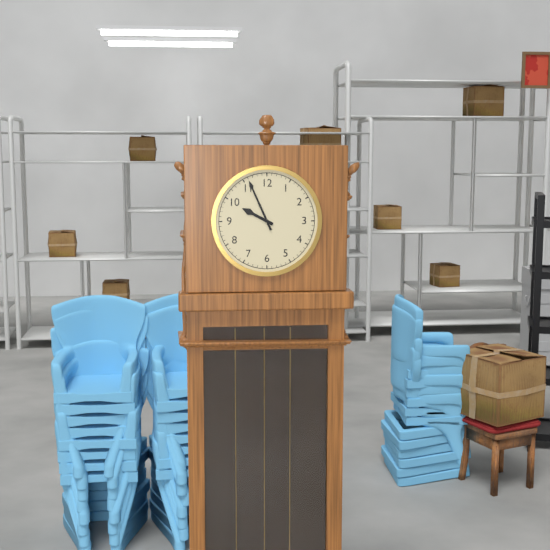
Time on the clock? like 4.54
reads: 9.56
